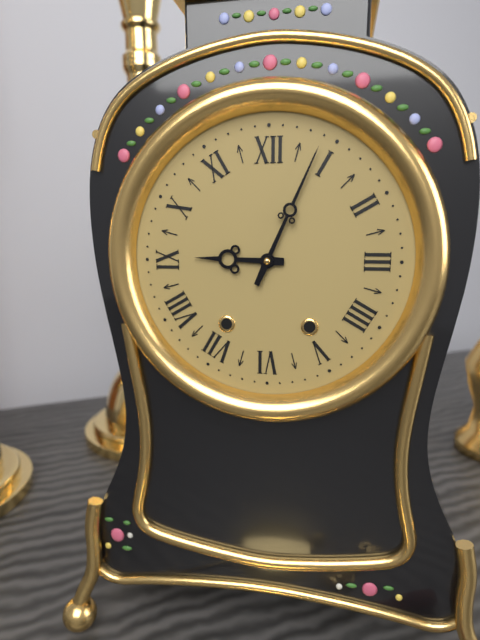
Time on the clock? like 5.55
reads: 9.04
